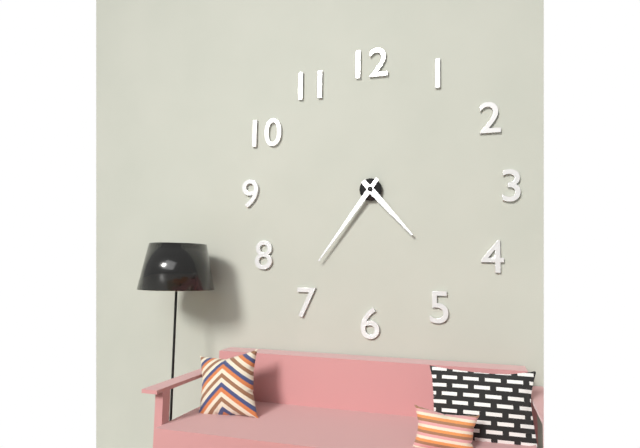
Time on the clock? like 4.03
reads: 4.36
